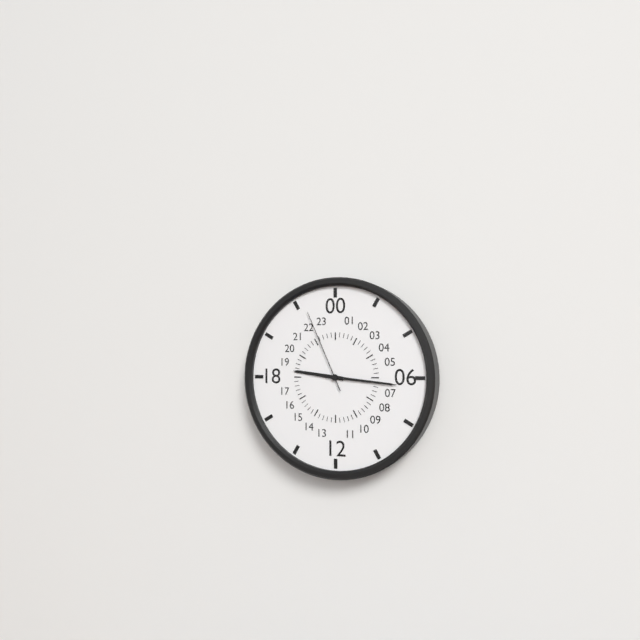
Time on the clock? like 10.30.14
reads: 9.16.56
